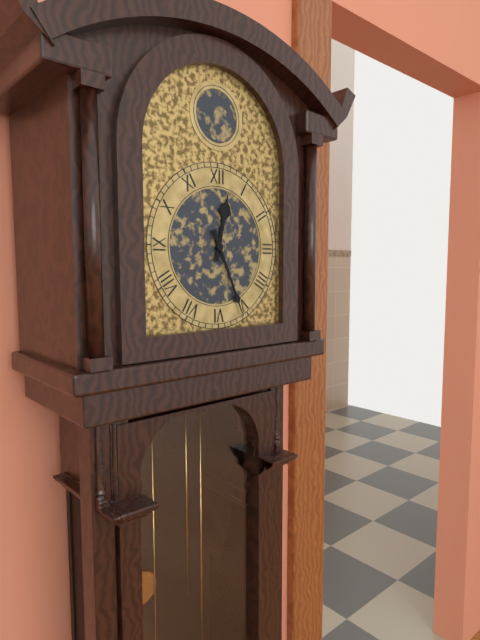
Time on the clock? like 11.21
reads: 12.26
